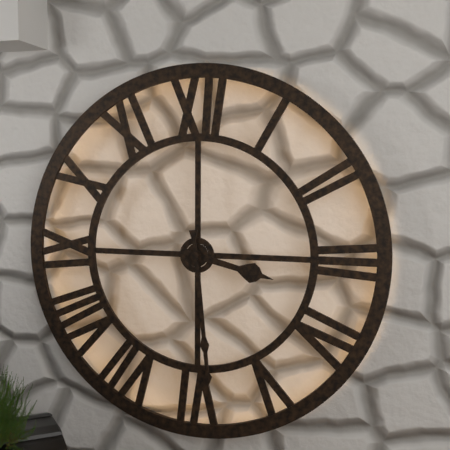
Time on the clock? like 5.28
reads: 3.29
